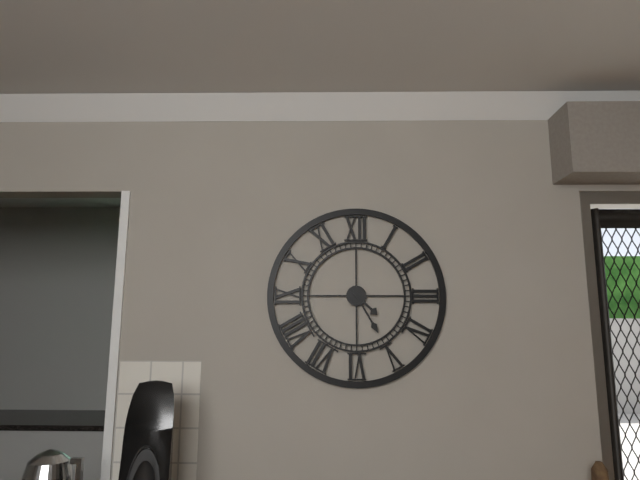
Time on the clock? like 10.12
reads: 4.25
